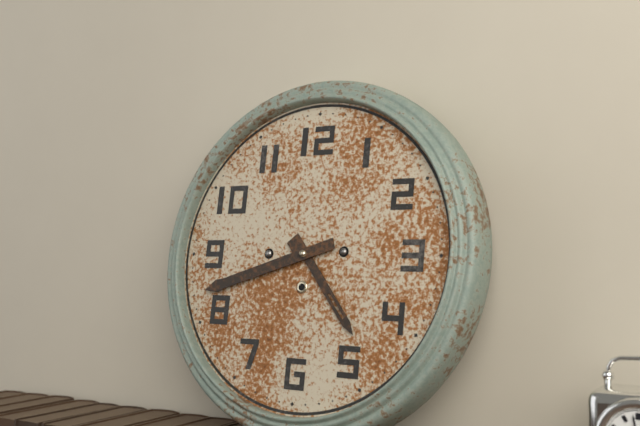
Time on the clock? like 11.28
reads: 4.42
